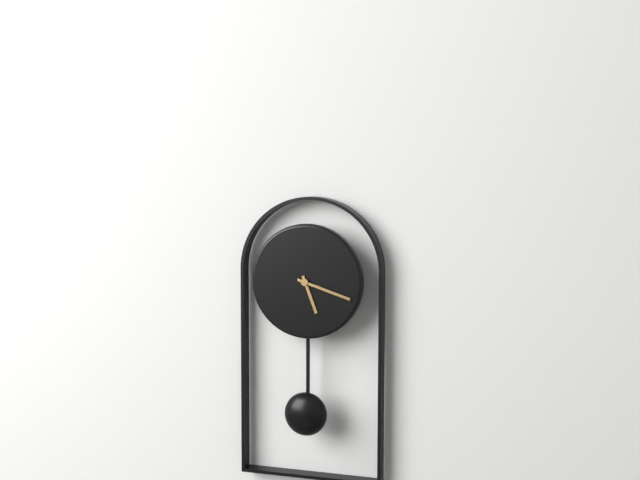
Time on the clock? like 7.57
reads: 5.18
